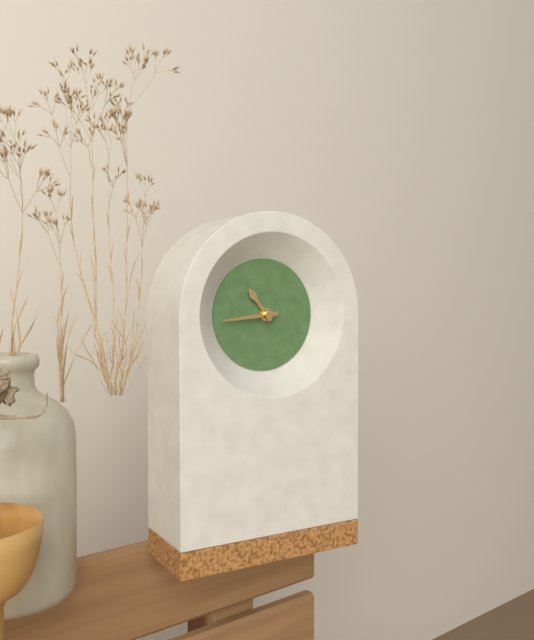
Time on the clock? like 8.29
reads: 10.44
